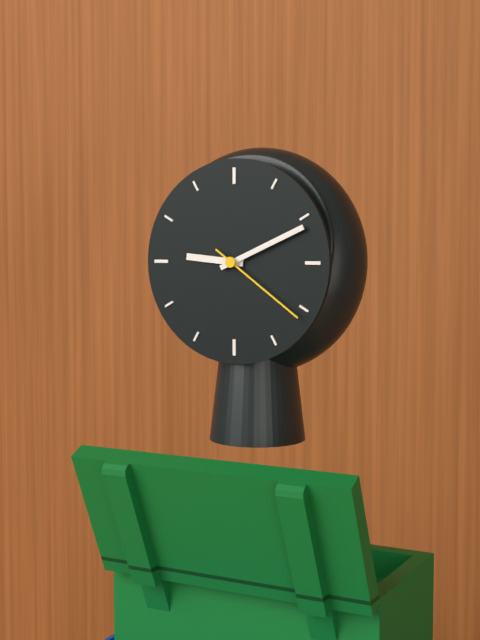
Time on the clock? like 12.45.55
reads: 9.11.21
